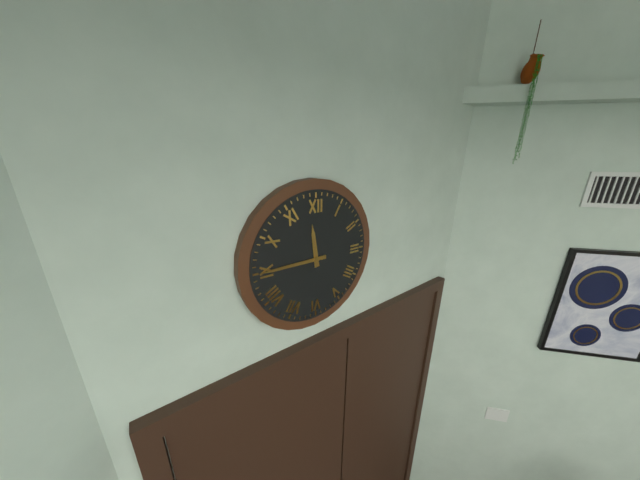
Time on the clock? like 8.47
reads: 11.45
